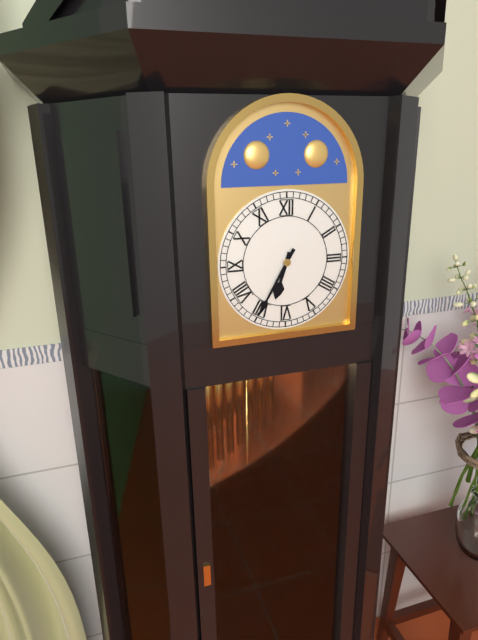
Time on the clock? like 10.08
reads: 6.35
